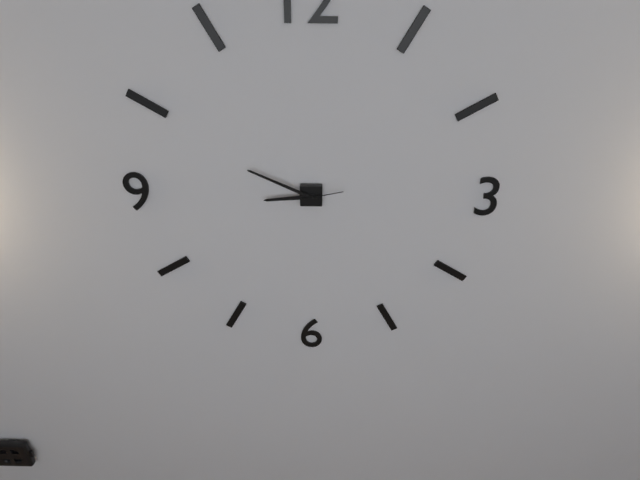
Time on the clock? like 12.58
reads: 8.49
